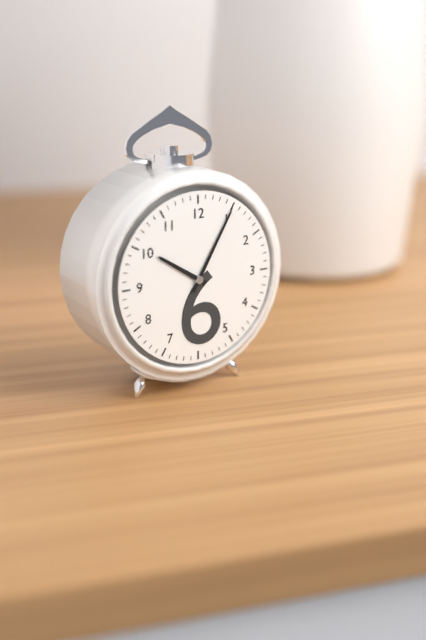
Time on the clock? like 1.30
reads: 10.05
